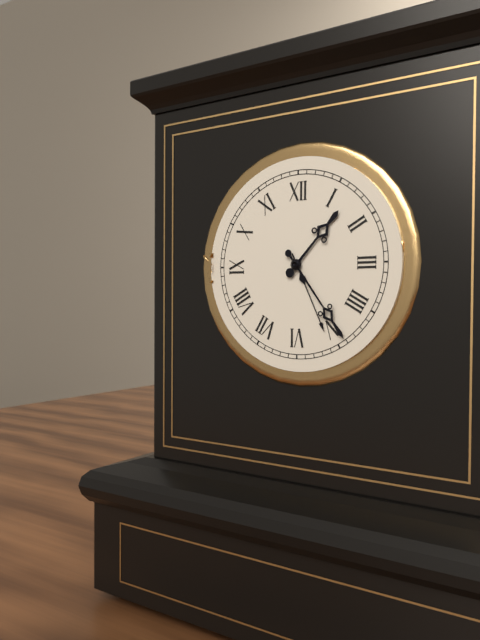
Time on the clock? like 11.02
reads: 1.24
